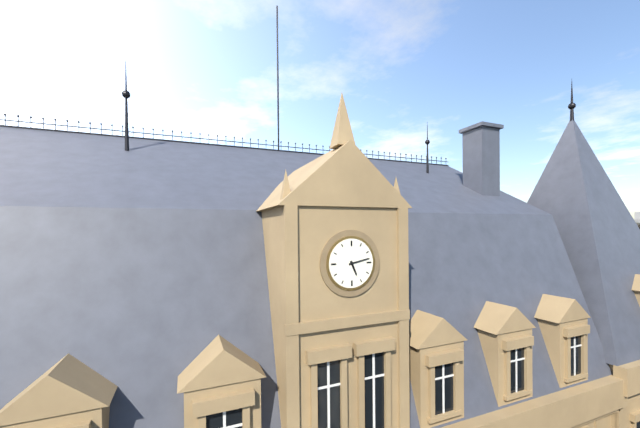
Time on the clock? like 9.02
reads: 5.13
